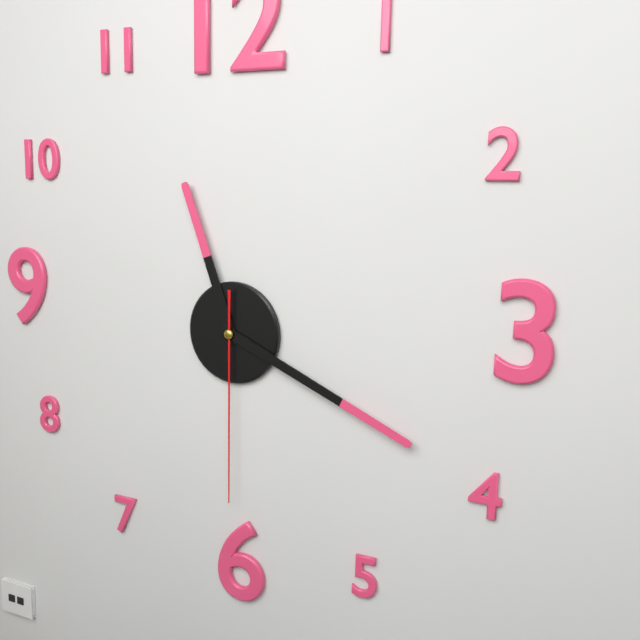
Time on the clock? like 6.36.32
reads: 11.19.30
